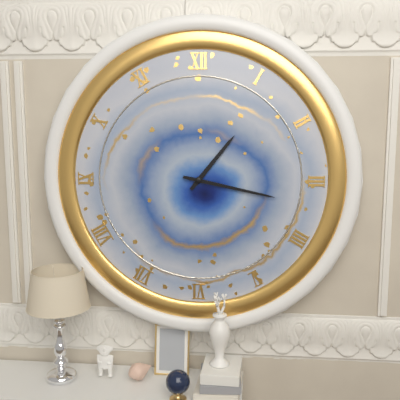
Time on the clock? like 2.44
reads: 1.17
